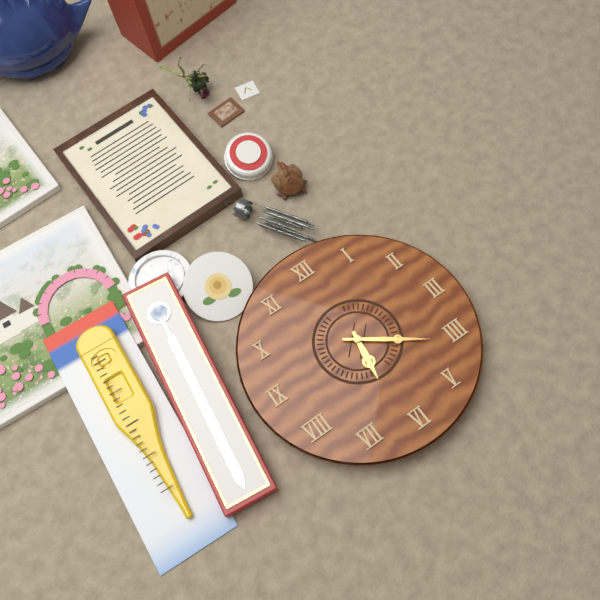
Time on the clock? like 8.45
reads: 6.21
